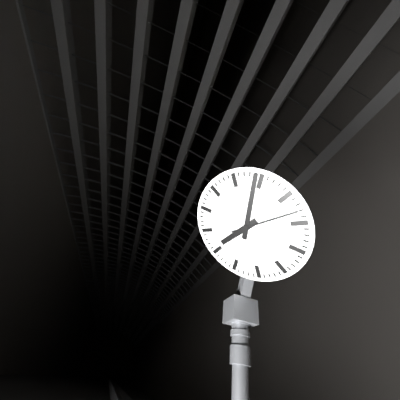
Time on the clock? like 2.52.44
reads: 9.09.18
